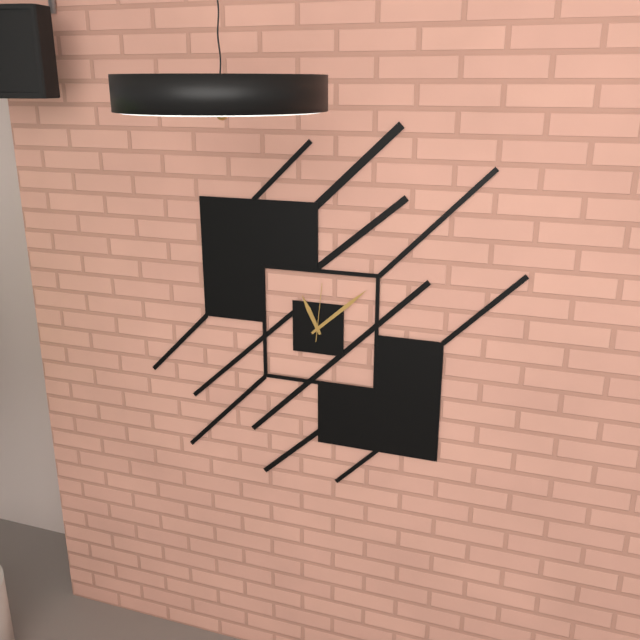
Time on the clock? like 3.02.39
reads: 11.08.01
